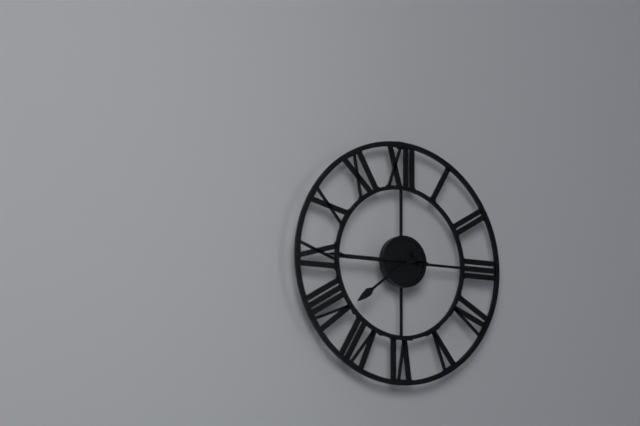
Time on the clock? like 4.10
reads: 7.45
